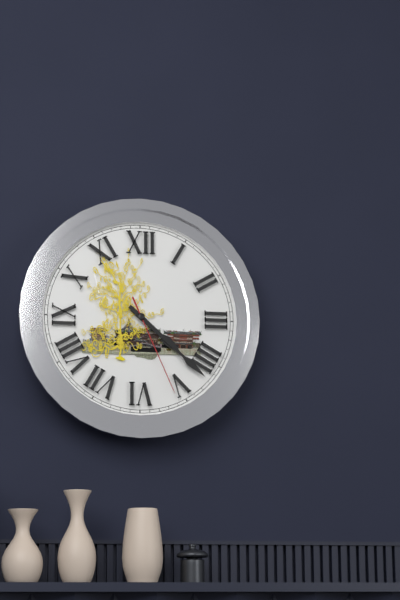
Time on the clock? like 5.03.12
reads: 4.22.26
